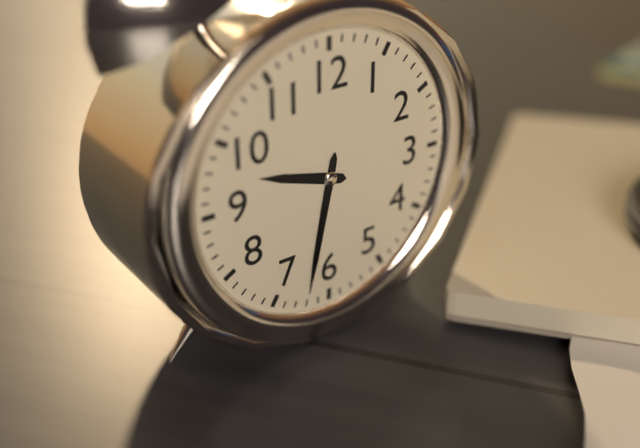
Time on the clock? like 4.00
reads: 9.32
